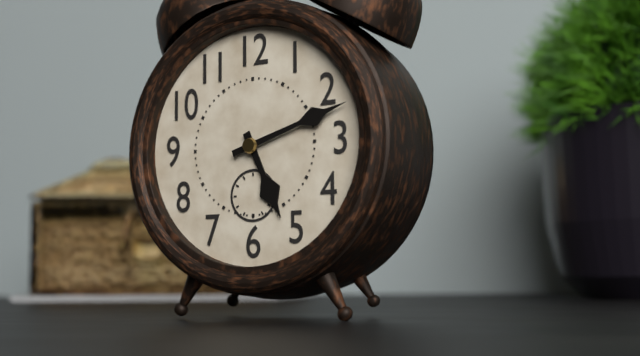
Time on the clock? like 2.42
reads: 5.12
